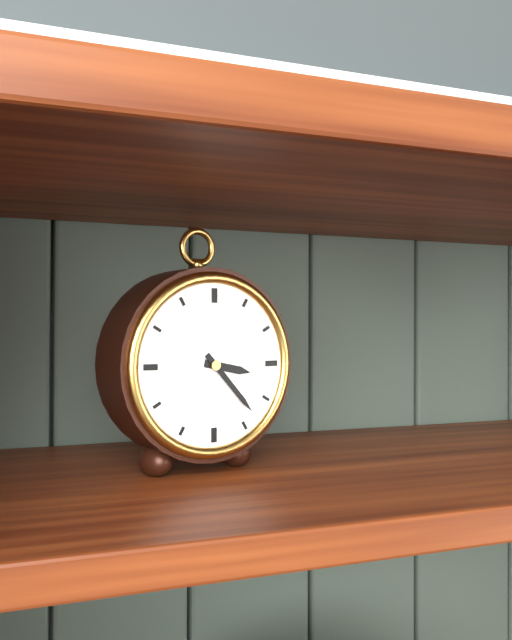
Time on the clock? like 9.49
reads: 3.23
